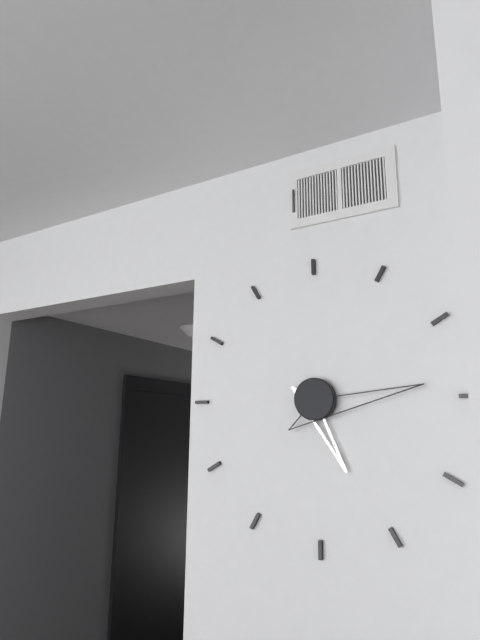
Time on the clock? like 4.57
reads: 5.14
